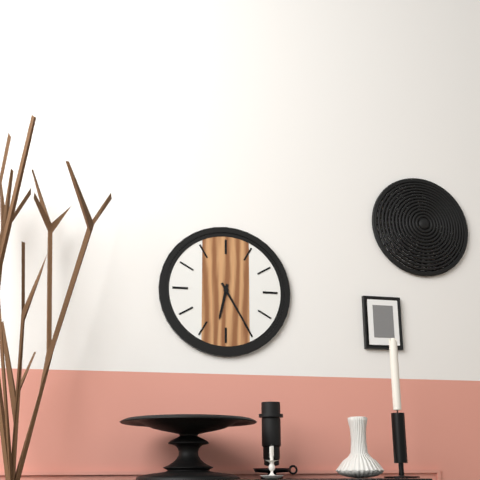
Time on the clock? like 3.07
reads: 6.25
